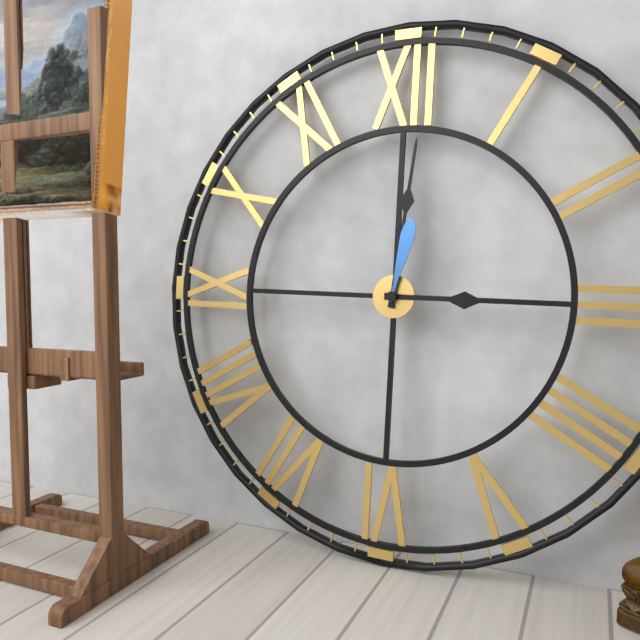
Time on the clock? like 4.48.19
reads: 3.01.02
